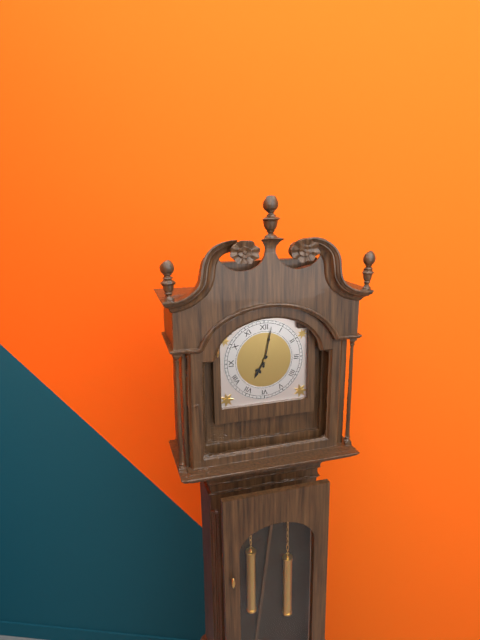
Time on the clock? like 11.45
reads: 7.02
